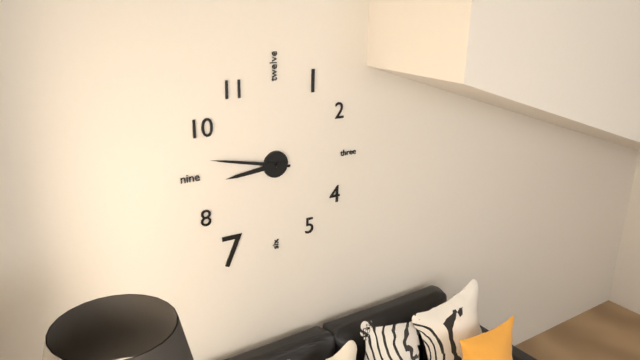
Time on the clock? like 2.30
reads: 8.47
